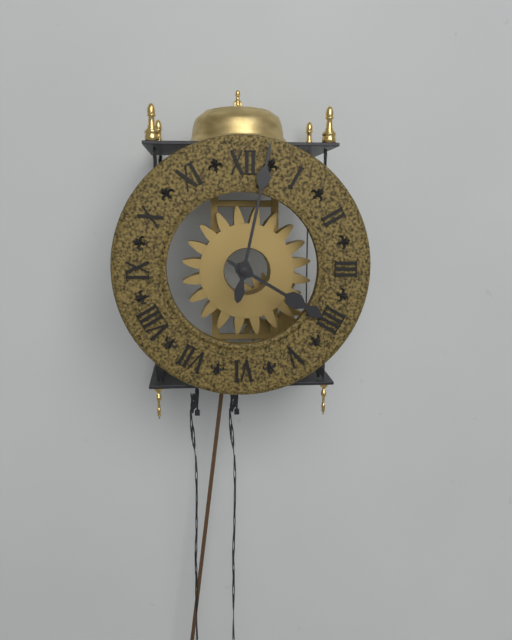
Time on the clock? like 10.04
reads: 4.02
